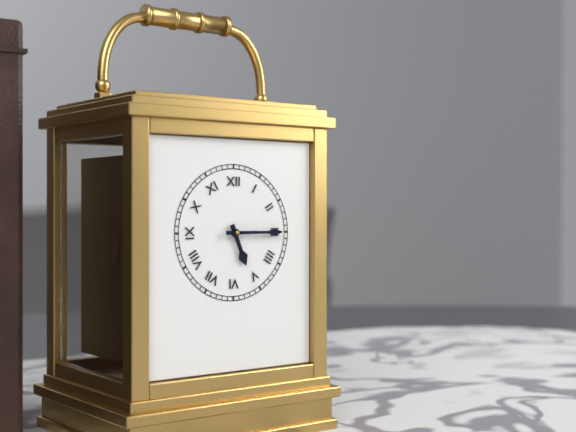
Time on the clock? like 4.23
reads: 5.15
